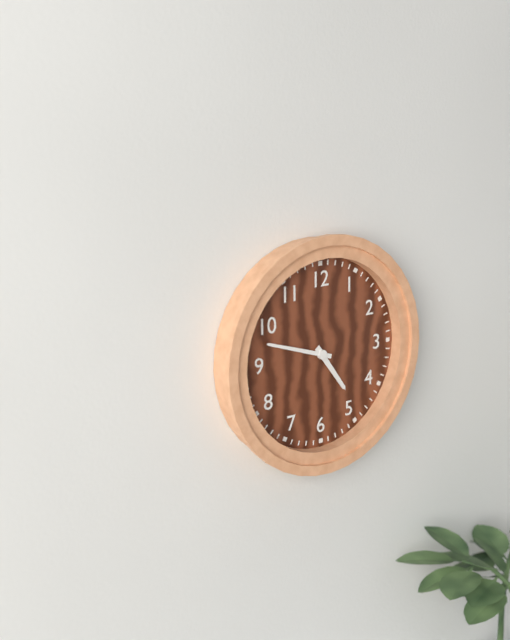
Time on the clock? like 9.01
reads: 4.48
